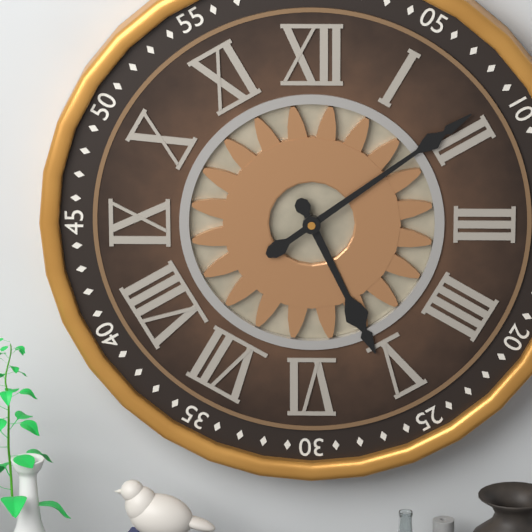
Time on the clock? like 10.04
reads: 5.09
